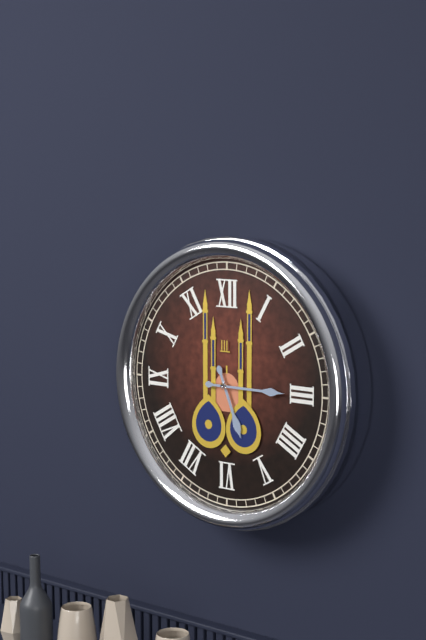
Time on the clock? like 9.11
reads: 5.15
